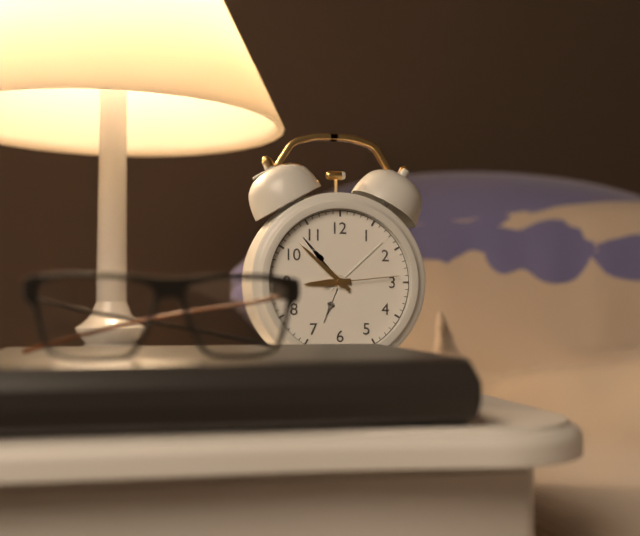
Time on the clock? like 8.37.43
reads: 8.52.14
